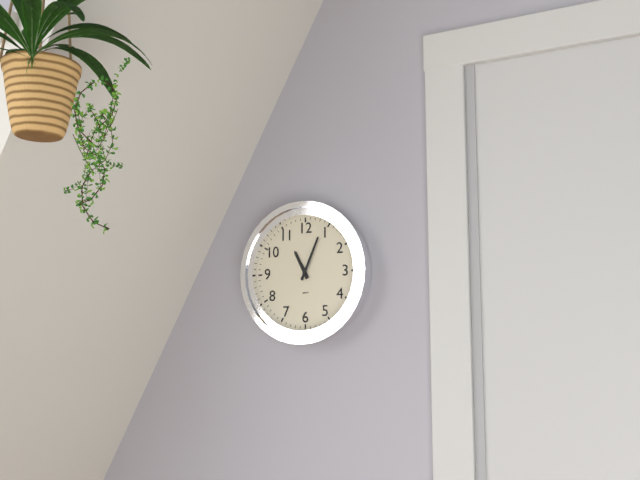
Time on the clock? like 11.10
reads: 11.04
